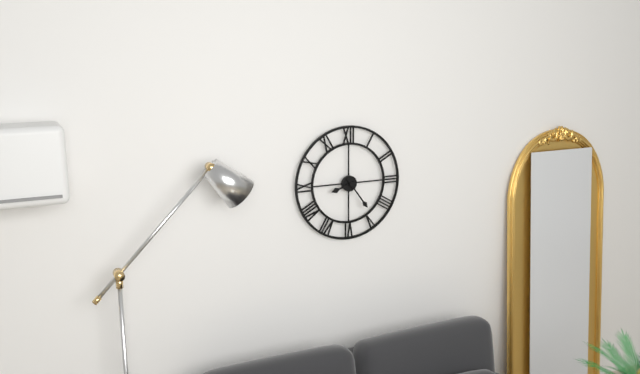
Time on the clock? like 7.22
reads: 8.24
